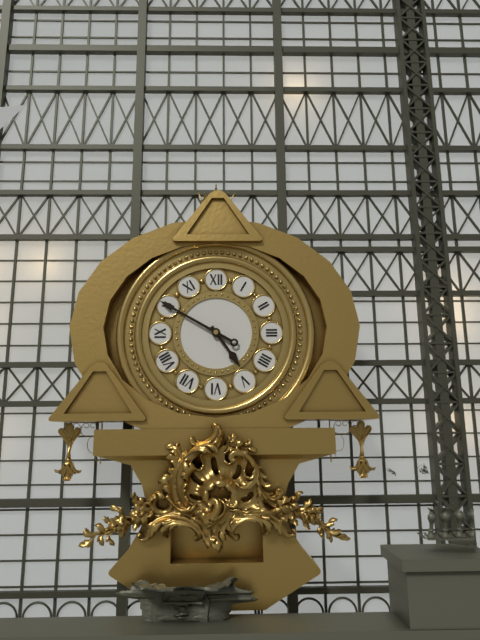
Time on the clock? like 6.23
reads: 4.50
